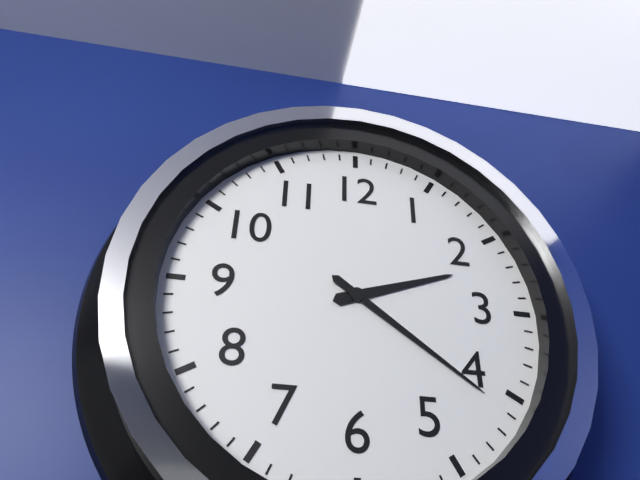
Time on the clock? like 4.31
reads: 2.21
